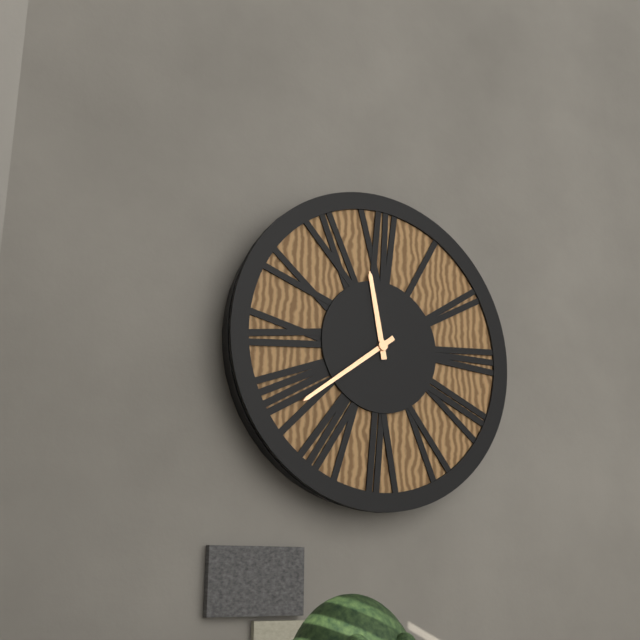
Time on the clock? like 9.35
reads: 11.39
